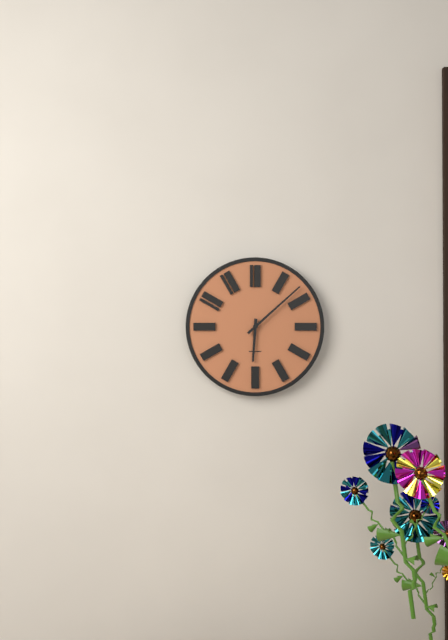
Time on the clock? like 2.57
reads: 6.08
